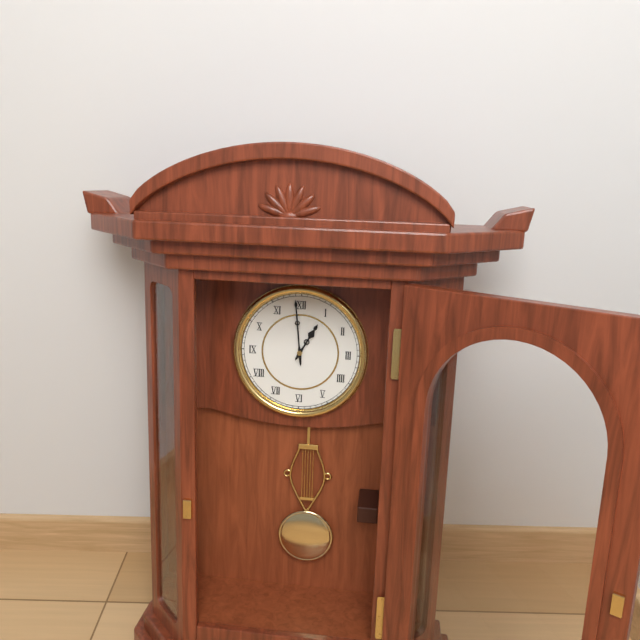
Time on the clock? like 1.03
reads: 12.59
